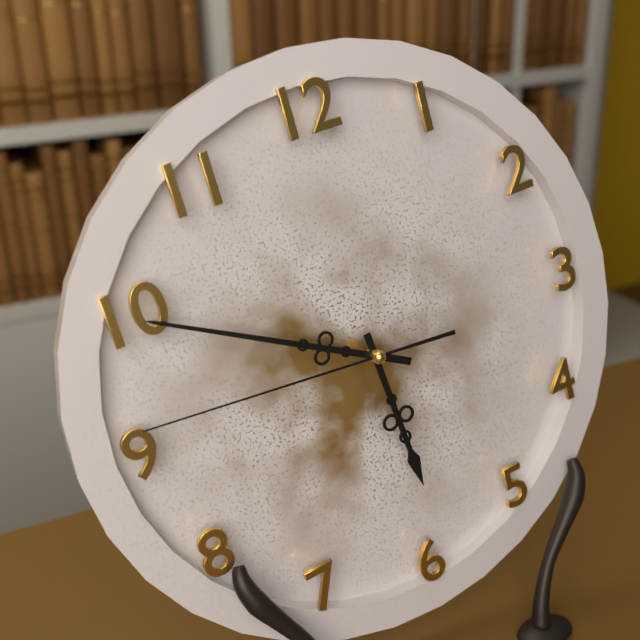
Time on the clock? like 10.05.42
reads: 5.50.46
